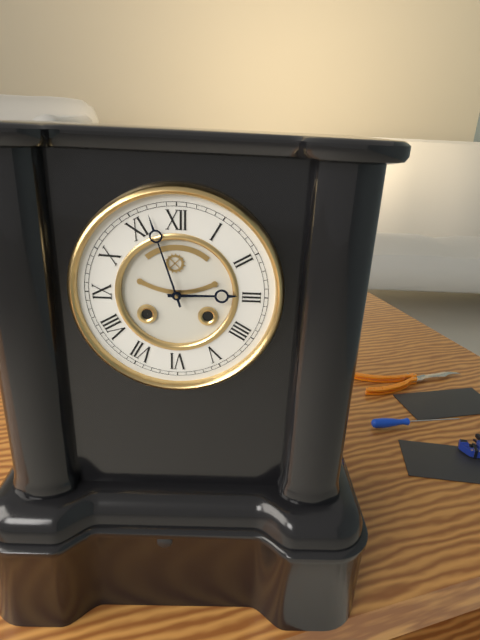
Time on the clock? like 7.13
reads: 2.57
